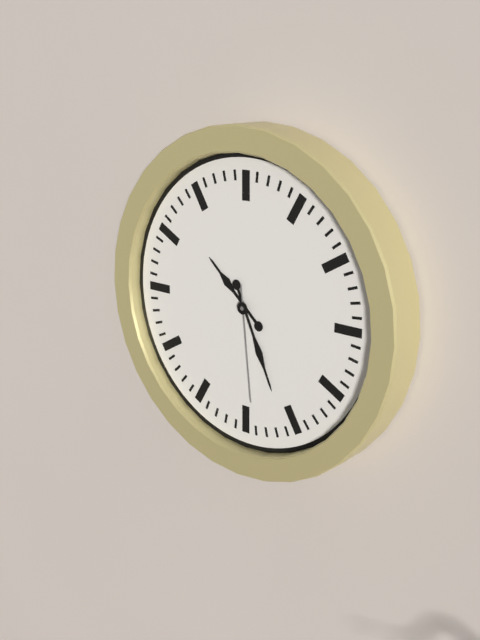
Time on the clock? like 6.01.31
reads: 10.26.29
